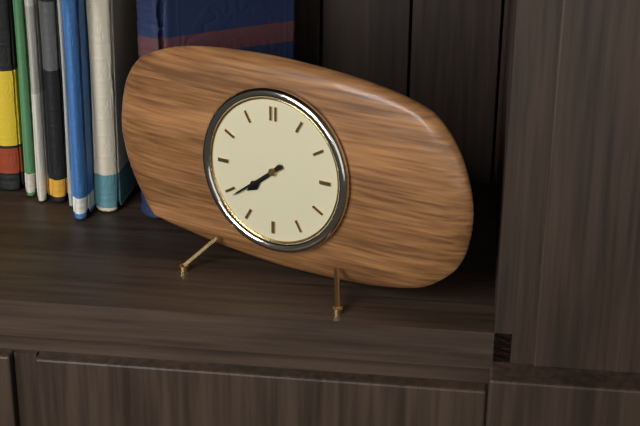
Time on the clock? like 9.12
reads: 7.39
